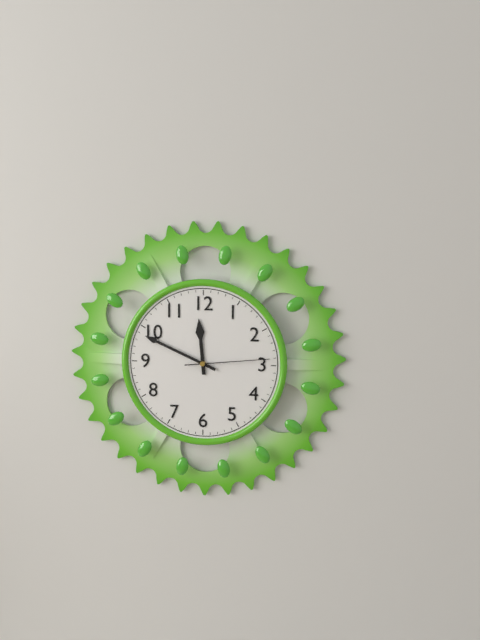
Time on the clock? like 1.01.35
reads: 11.49.14
